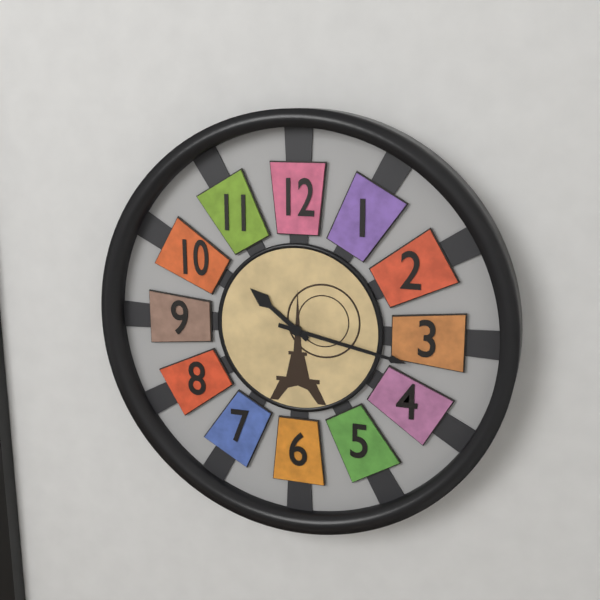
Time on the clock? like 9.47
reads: 10.17
